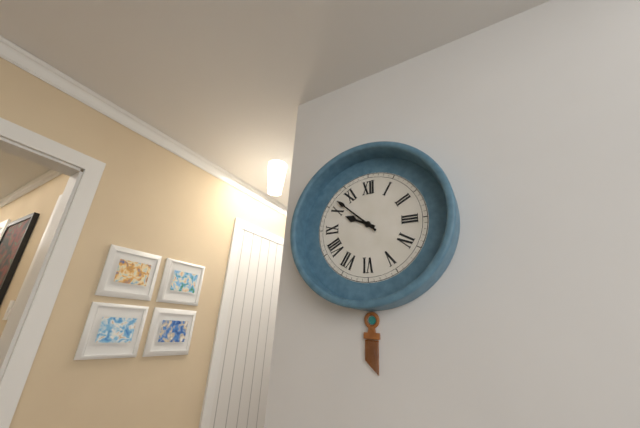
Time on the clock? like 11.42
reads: 9.52
